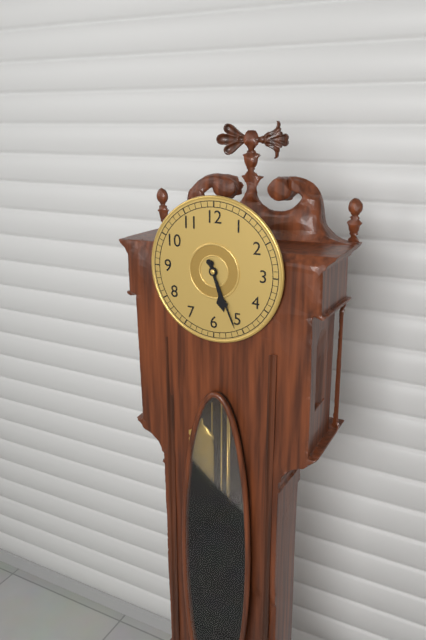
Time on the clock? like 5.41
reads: 5.26
